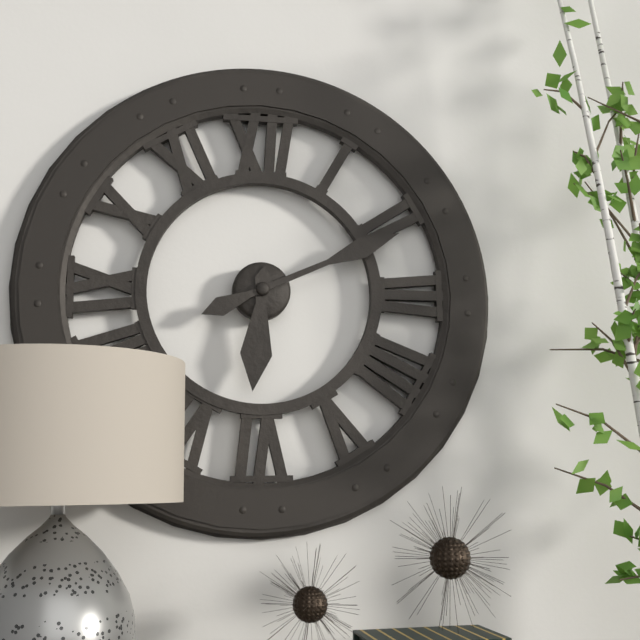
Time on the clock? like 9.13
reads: 6.11
